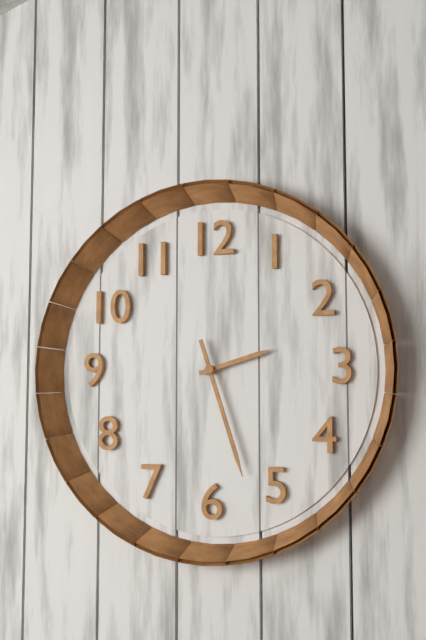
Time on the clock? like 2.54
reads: 2.27
